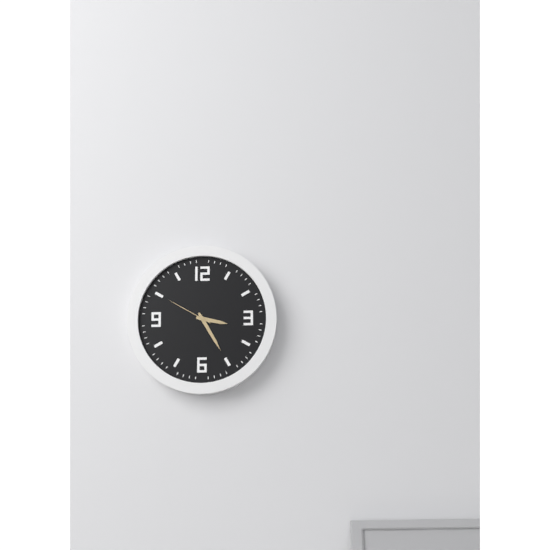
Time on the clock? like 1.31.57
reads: 3.25.50
